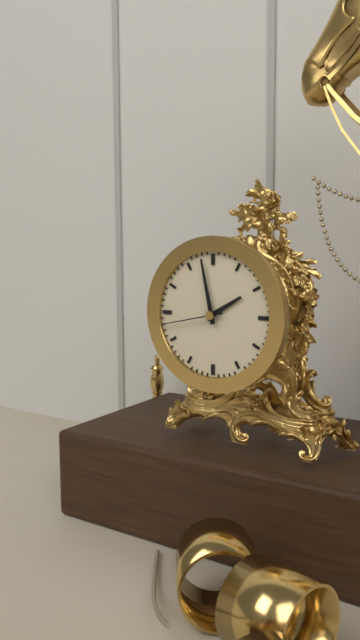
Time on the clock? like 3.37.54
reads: 1.58.43
